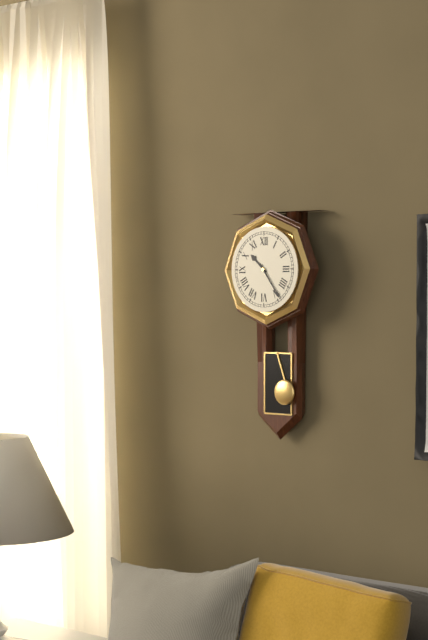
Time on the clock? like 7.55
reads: 10.24
